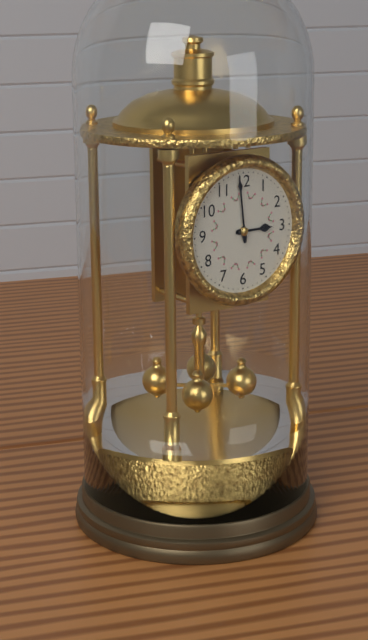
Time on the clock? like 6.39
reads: 2.59
